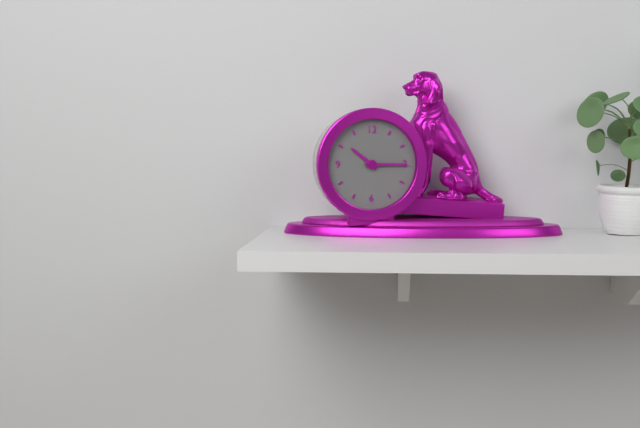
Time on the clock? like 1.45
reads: 10.15
